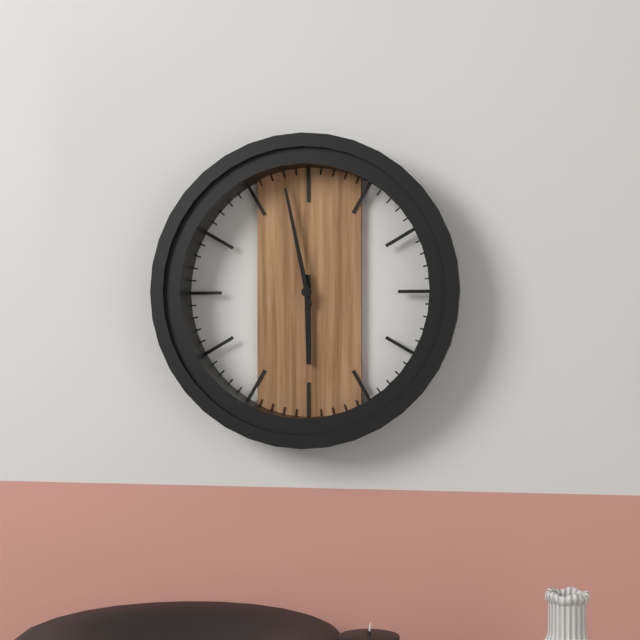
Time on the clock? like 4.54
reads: 5.58
